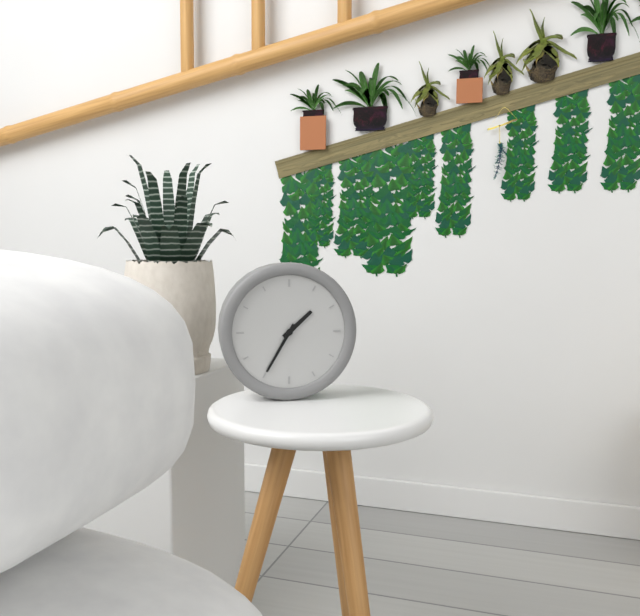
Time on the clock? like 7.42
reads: 1.35
